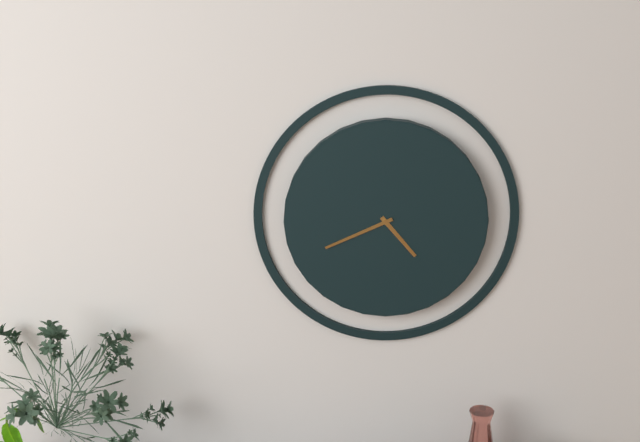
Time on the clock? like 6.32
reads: 4.41
